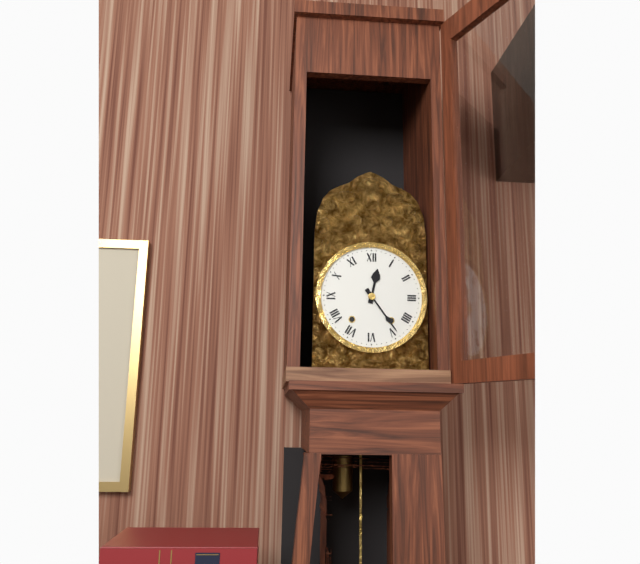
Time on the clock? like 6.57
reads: 12.24
